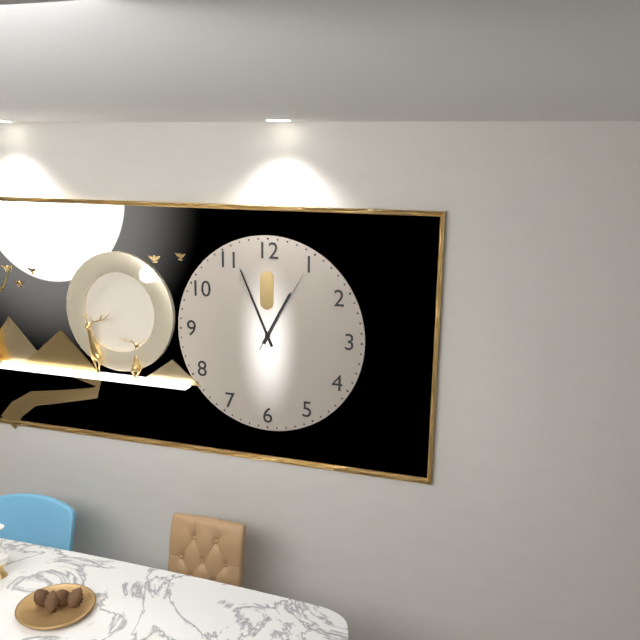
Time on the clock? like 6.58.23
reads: 12.56.05
